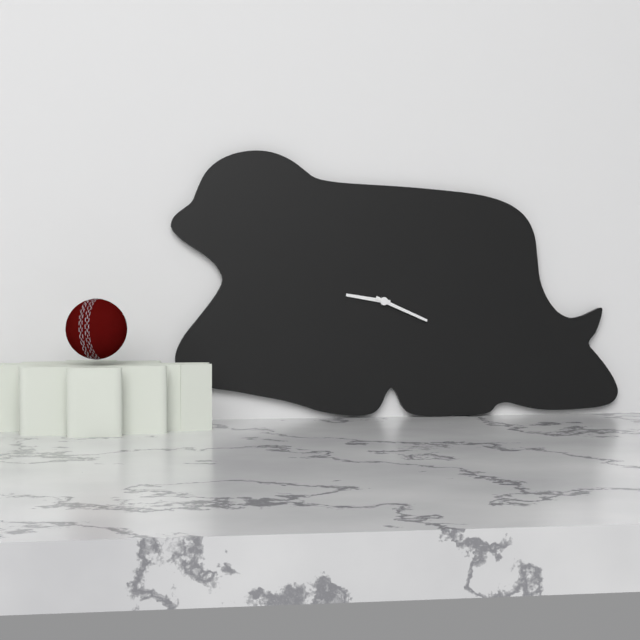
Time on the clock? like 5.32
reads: 9.19
